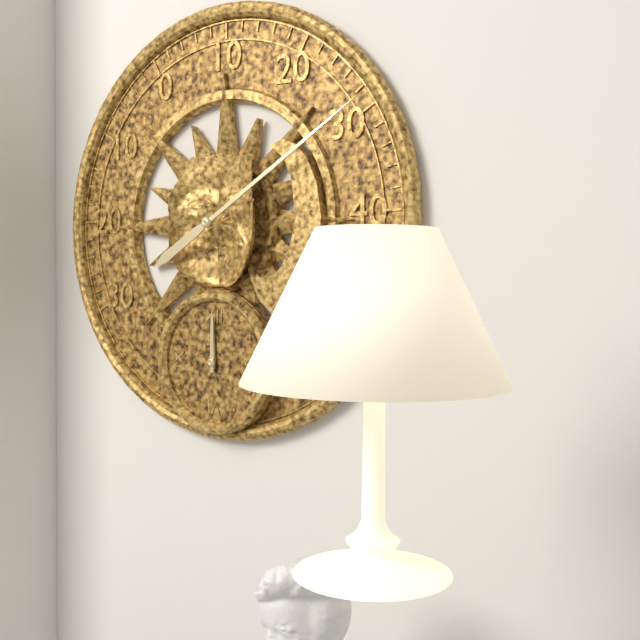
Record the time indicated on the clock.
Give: 12:00
